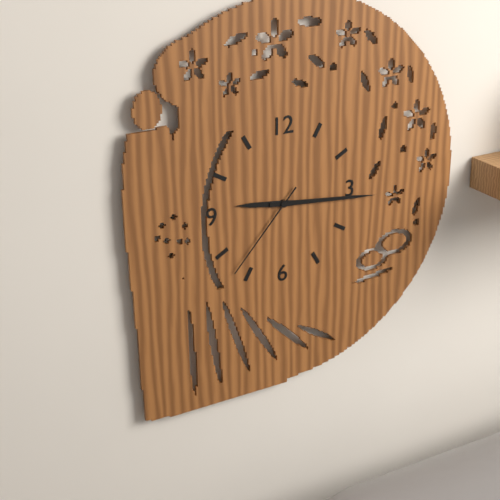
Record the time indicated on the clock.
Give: 9:16:37
